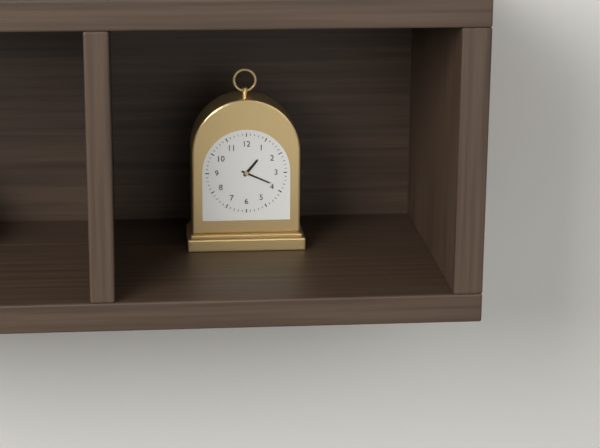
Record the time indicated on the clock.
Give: 1:19
